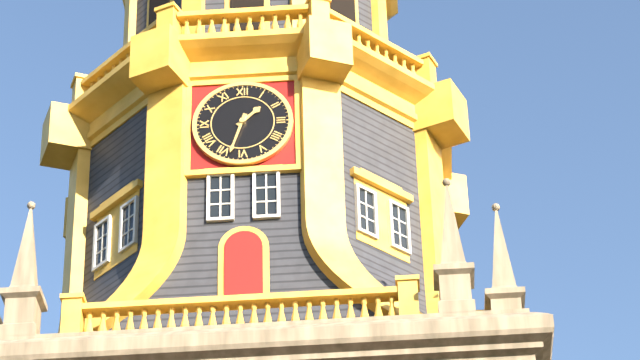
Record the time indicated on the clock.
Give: 1:33
